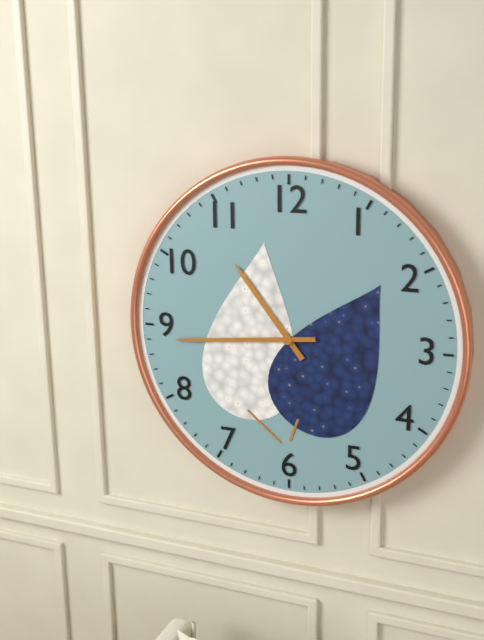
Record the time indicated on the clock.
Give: 10:44
